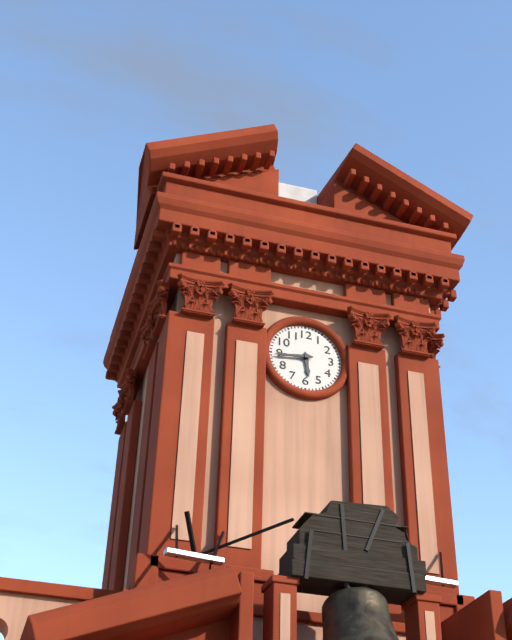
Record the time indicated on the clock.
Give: 5:44
